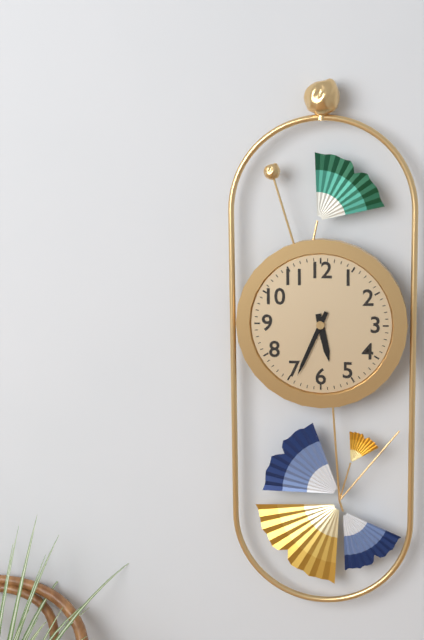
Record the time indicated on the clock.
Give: 5:34
